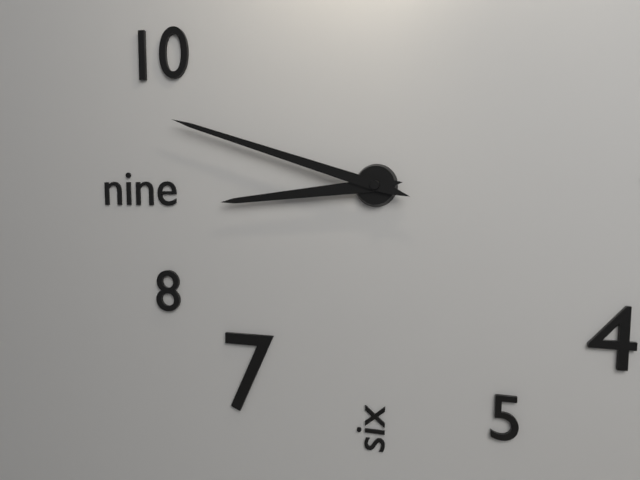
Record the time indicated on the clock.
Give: 8:48
